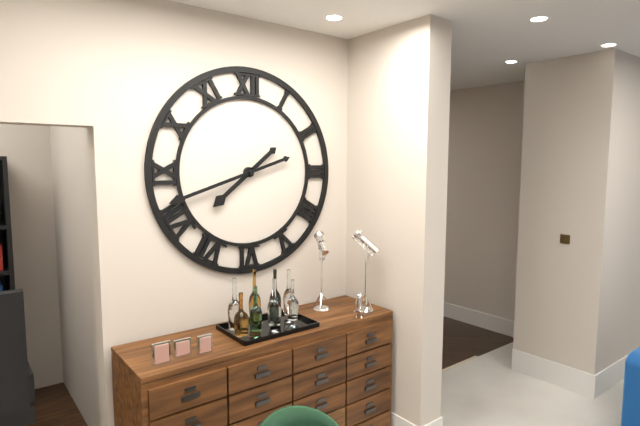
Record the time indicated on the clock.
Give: 7:42
